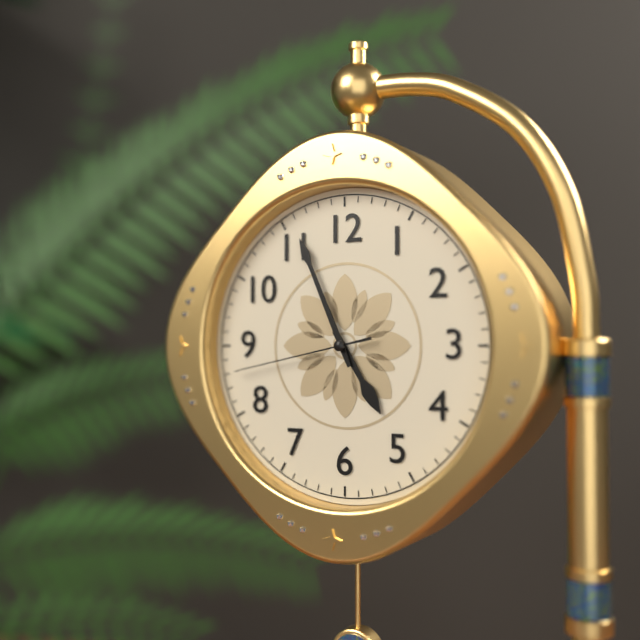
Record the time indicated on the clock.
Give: 4:56:43
